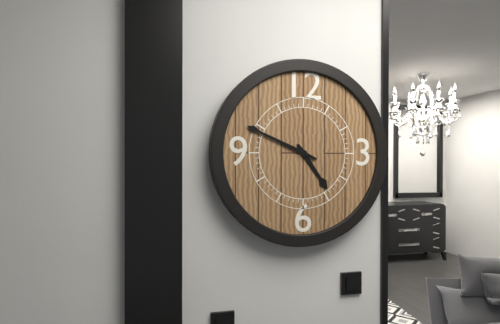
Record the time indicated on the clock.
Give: 4:49
